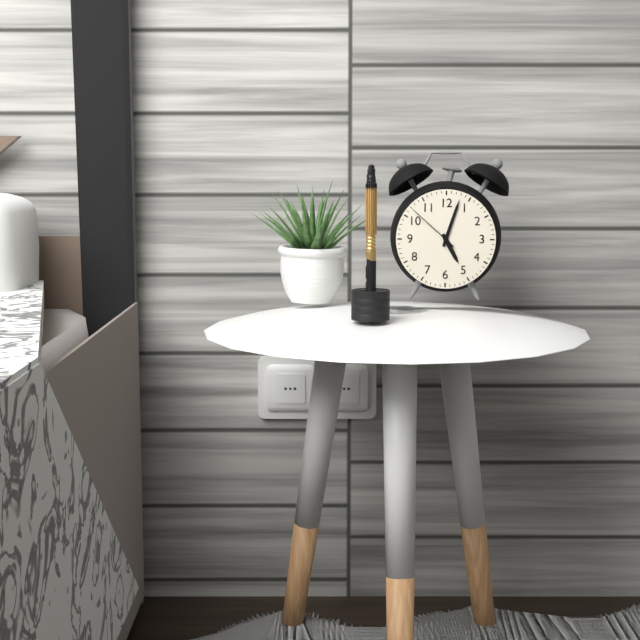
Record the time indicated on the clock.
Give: 5:03:52
